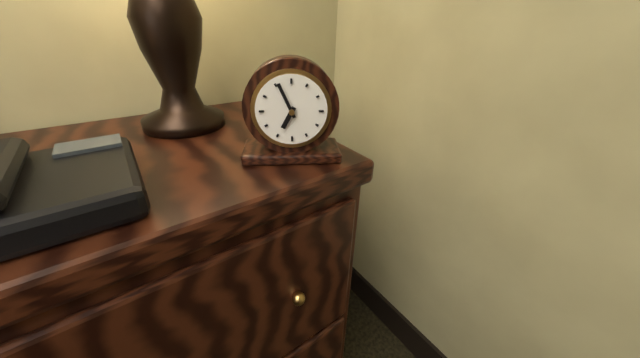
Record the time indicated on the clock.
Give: 6:56
